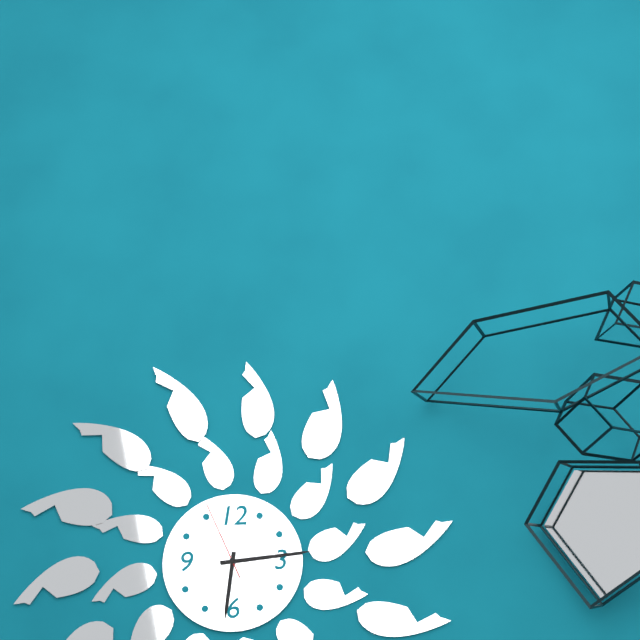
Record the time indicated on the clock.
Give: 6:14:56
